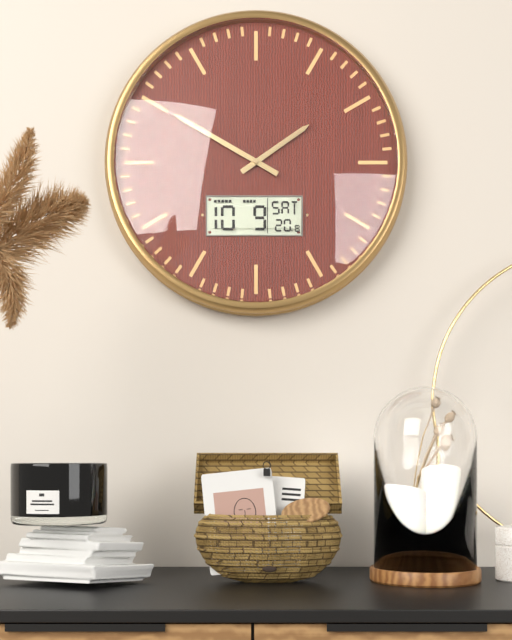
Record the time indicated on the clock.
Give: 1:50
